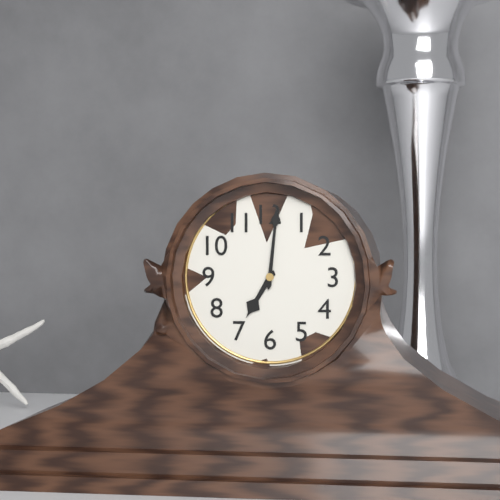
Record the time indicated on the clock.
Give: 7:01
